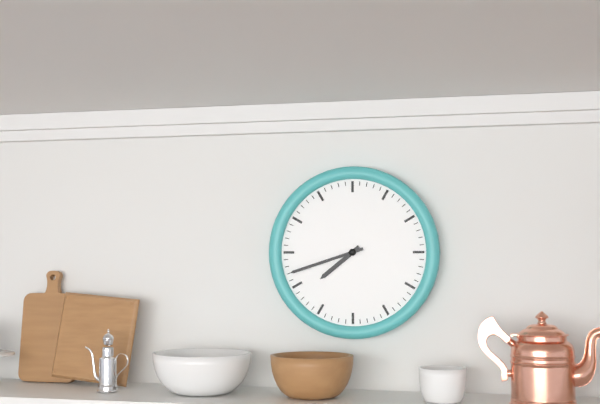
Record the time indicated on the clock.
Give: 7:42
